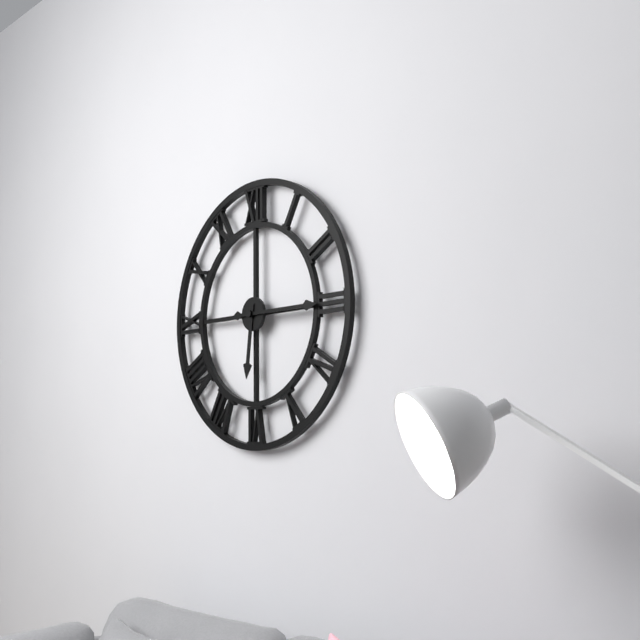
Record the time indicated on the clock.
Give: 6:15
